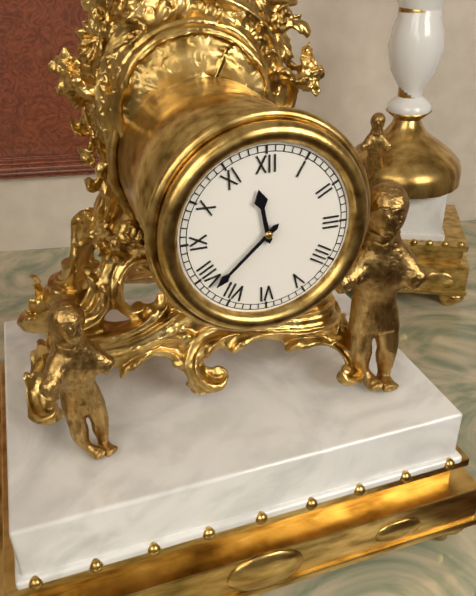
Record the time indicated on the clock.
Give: 11:38
